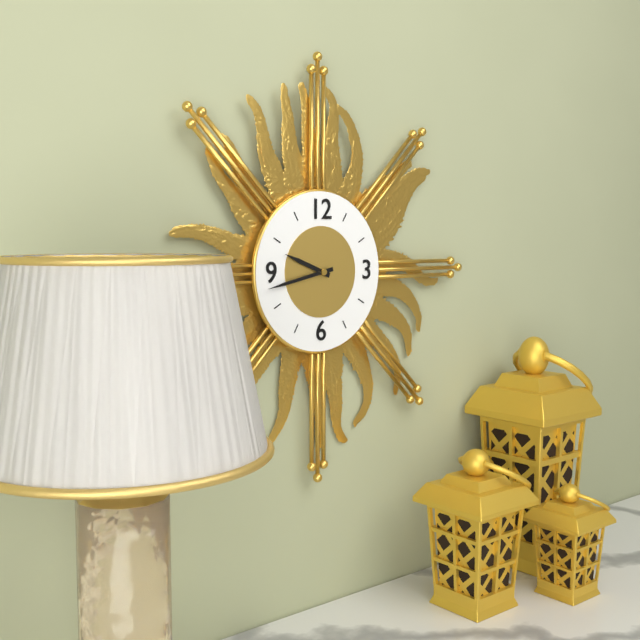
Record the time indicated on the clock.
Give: 9:43
